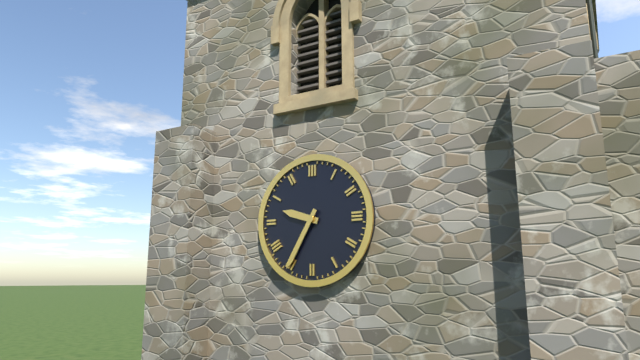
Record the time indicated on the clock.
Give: 9:35
